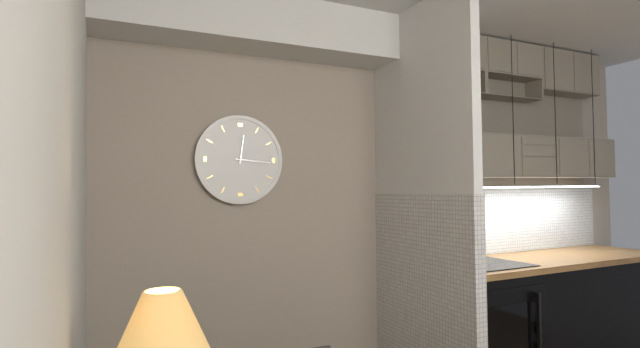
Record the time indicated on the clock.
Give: 12:16
